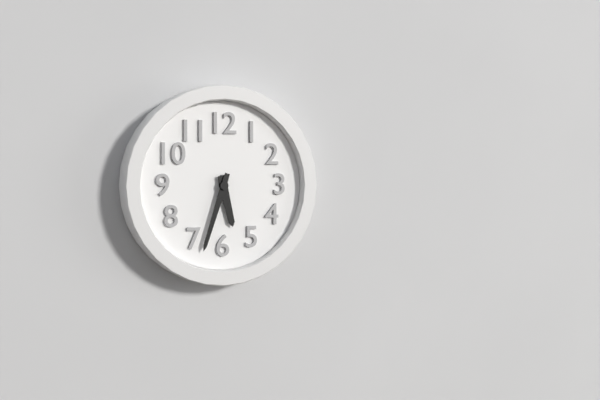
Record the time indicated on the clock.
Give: 5:33
